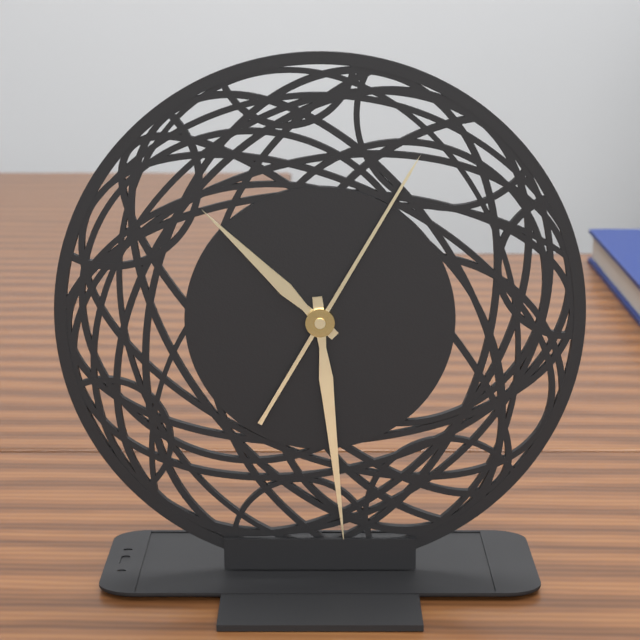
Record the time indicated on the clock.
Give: 10:29:05
